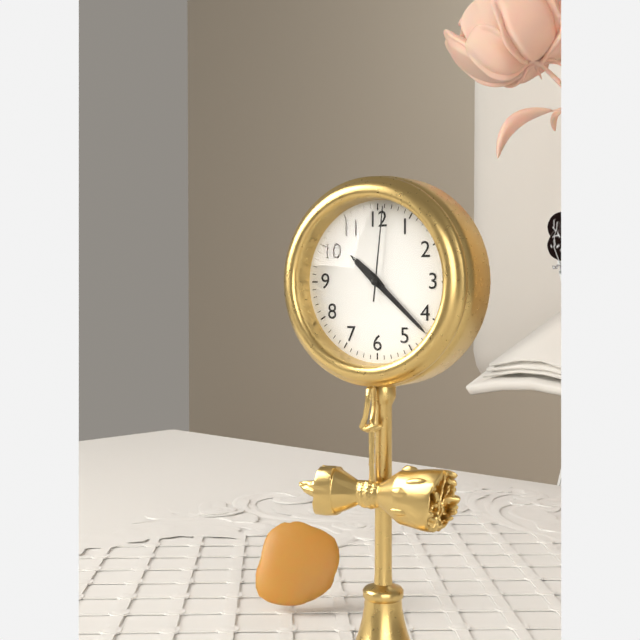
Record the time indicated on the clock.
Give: 10:22:01
